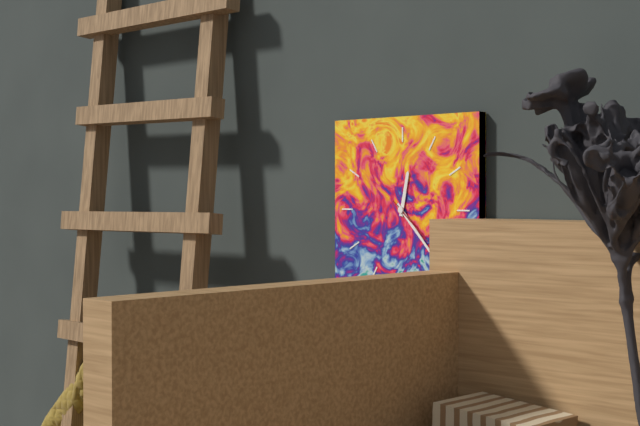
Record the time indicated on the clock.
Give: 12:23:22
